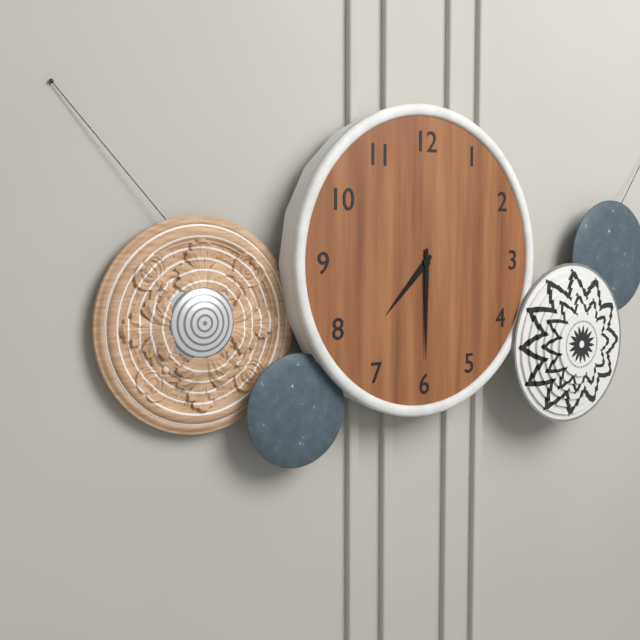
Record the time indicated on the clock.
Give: 7:30
